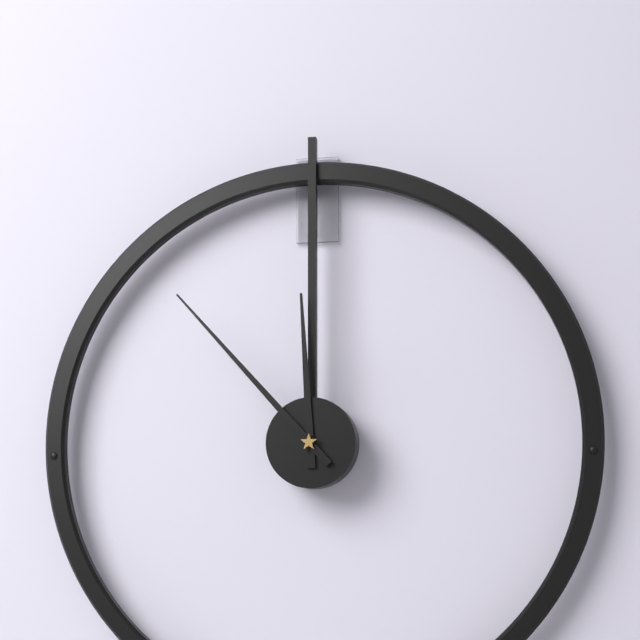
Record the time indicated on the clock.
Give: 11:53
